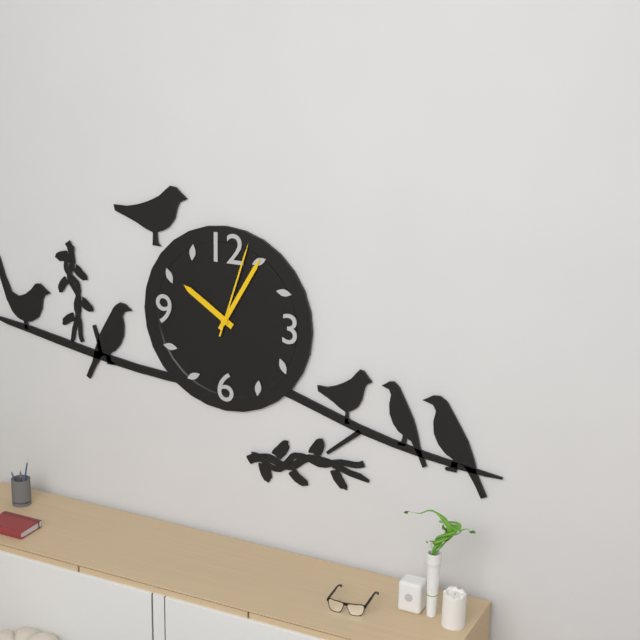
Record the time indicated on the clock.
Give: 10:05:03
